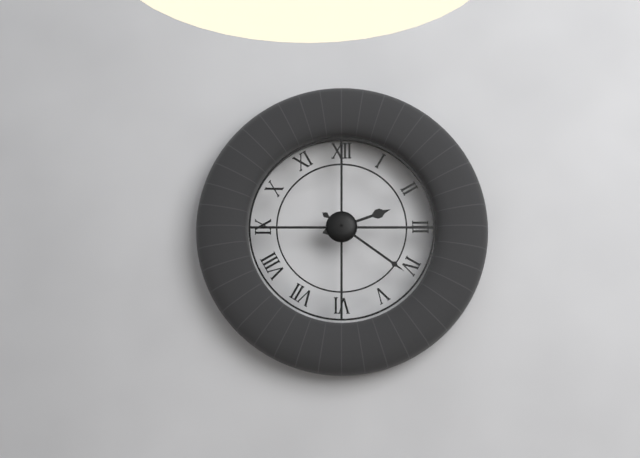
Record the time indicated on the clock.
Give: 2:21
